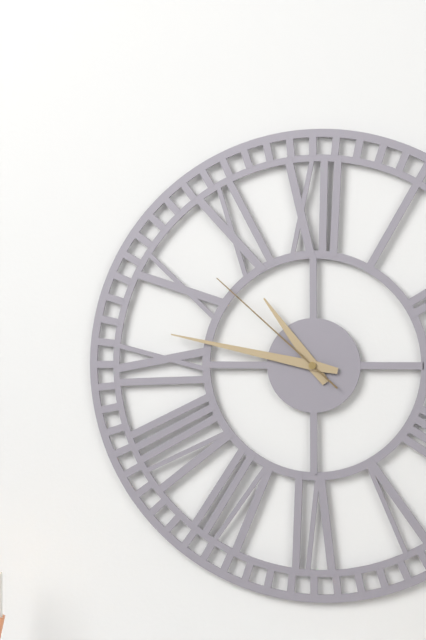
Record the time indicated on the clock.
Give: 10:47:52
